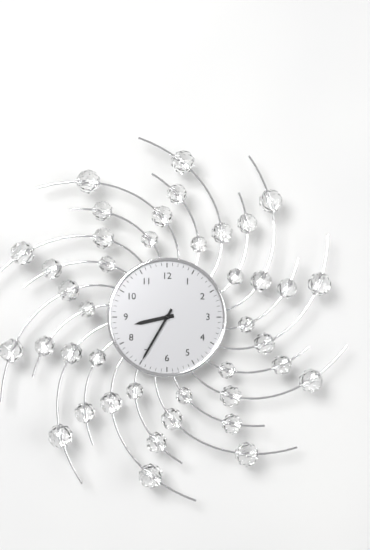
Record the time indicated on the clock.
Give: 8:35
